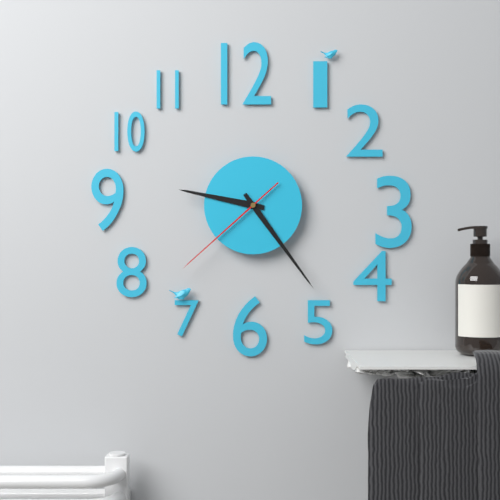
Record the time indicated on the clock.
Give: 9:24:38
